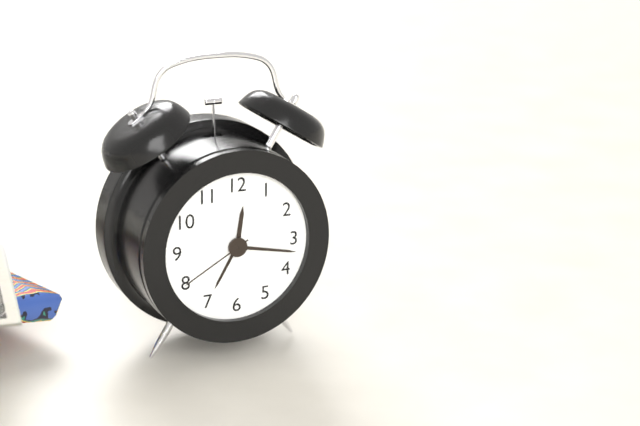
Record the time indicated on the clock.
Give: 12:17:40
